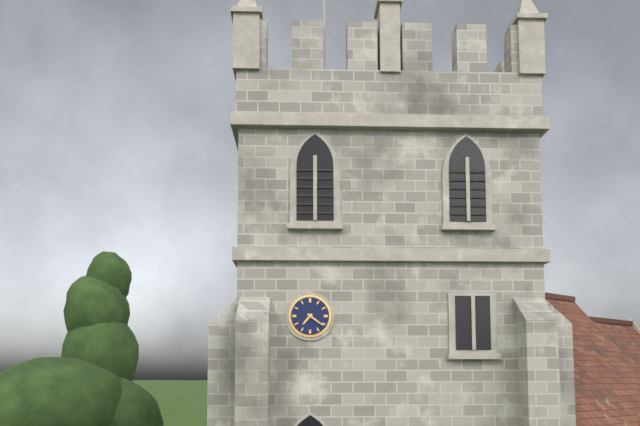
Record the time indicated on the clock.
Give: 7:21
